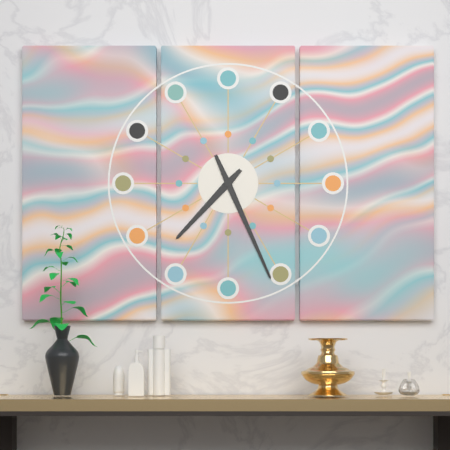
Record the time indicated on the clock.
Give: 7:26
